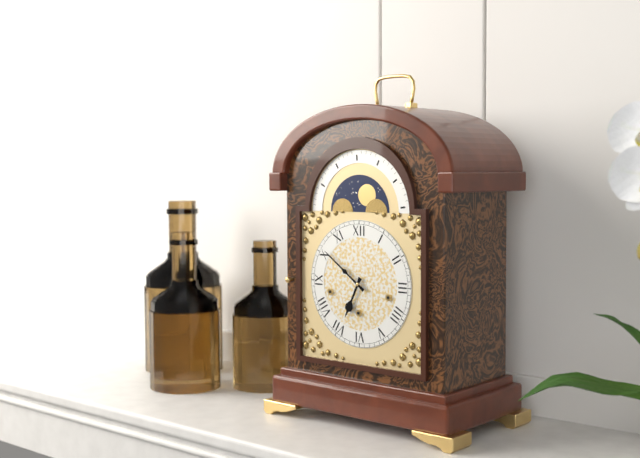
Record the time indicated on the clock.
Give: 6:51
